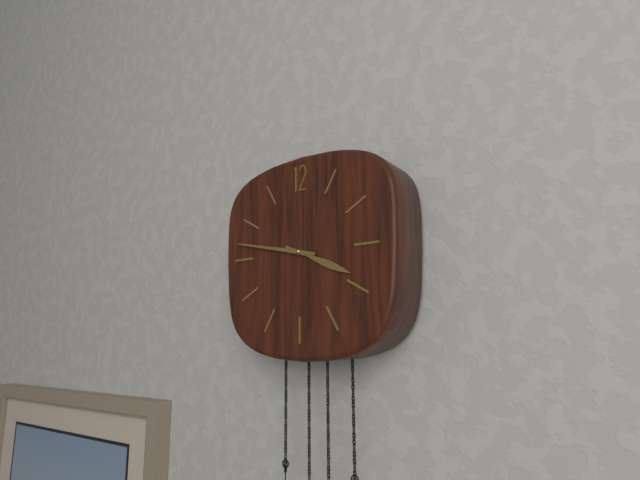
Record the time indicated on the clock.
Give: 3:47
